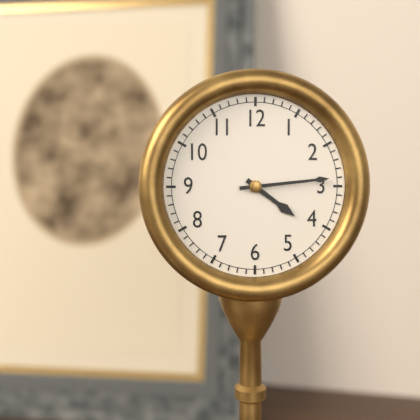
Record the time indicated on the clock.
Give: 4:14
